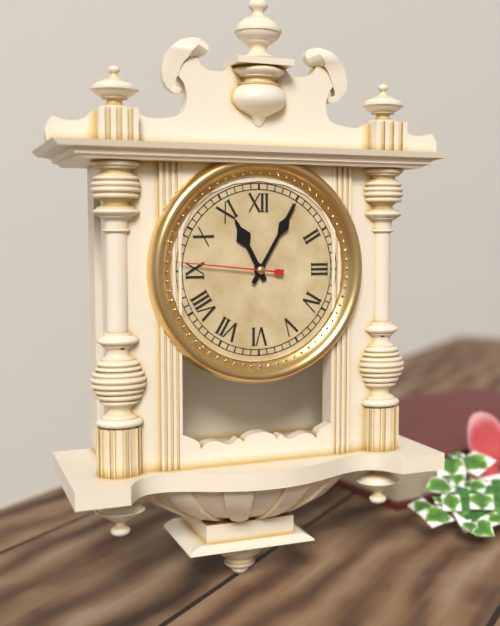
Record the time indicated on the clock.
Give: 11:05:46
